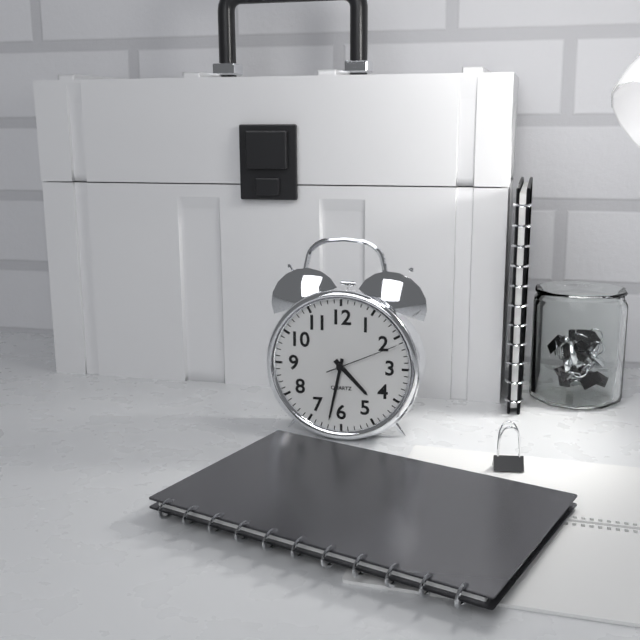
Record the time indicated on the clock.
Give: 4:32:11
